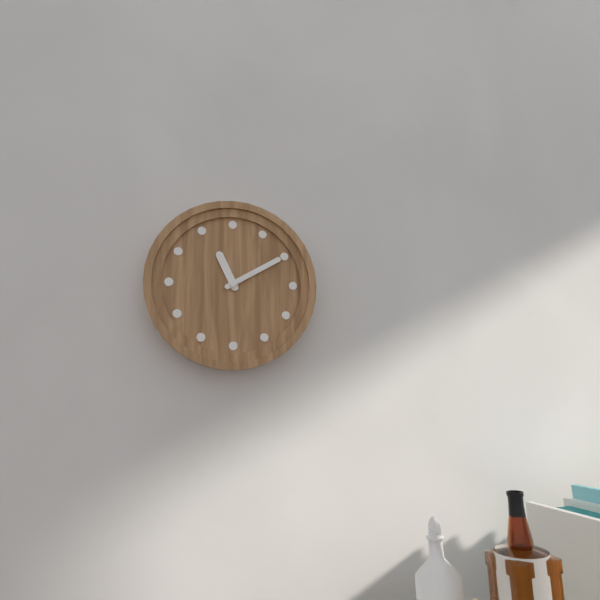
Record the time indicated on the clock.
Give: 11:10
